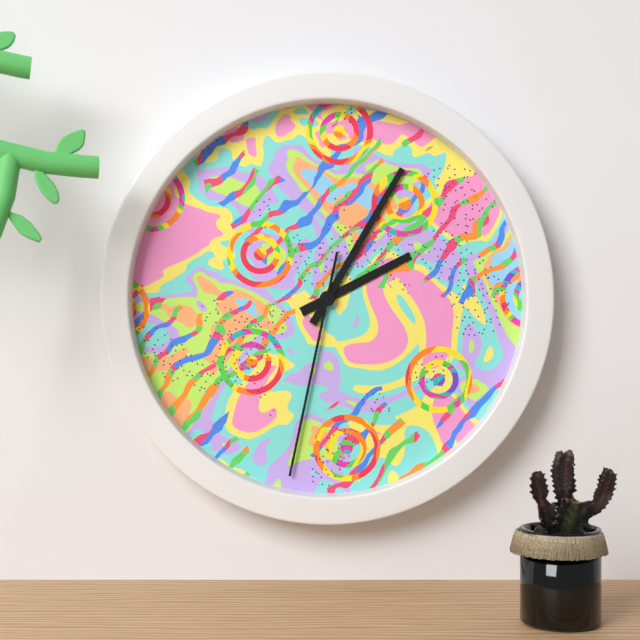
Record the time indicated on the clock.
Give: 2:05:32
